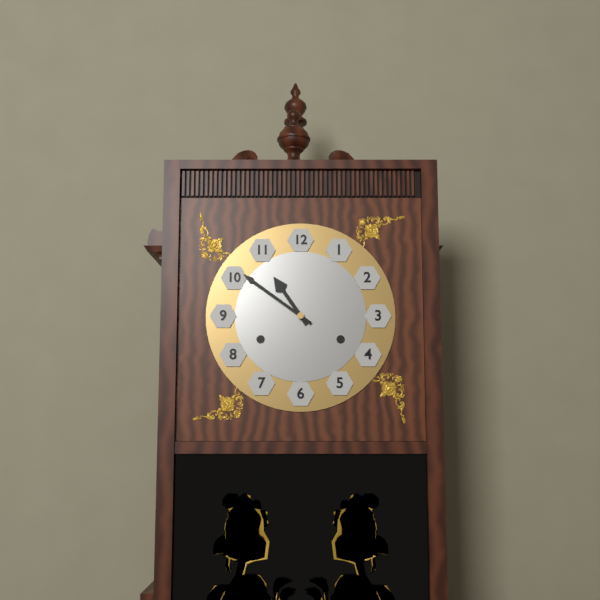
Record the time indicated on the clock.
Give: 10:51
